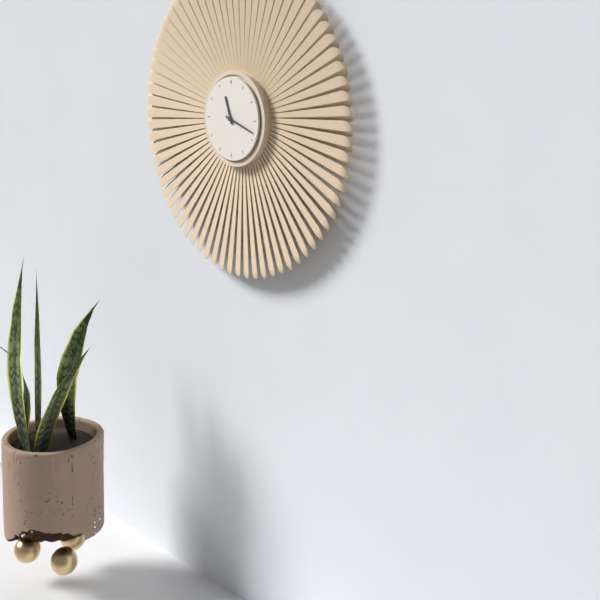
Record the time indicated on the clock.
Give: 11:18
